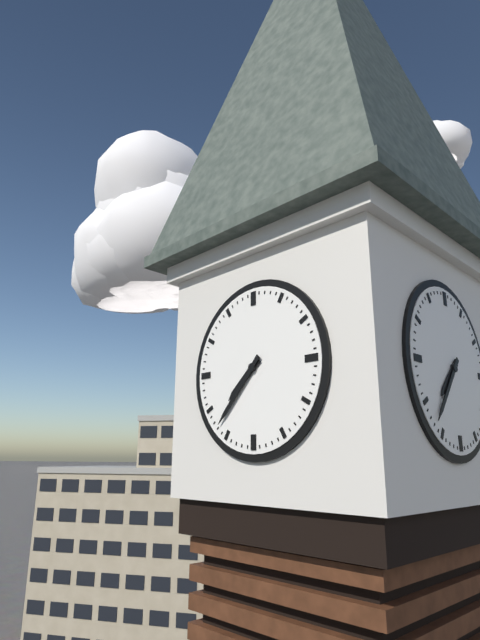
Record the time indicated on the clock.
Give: 7:37
